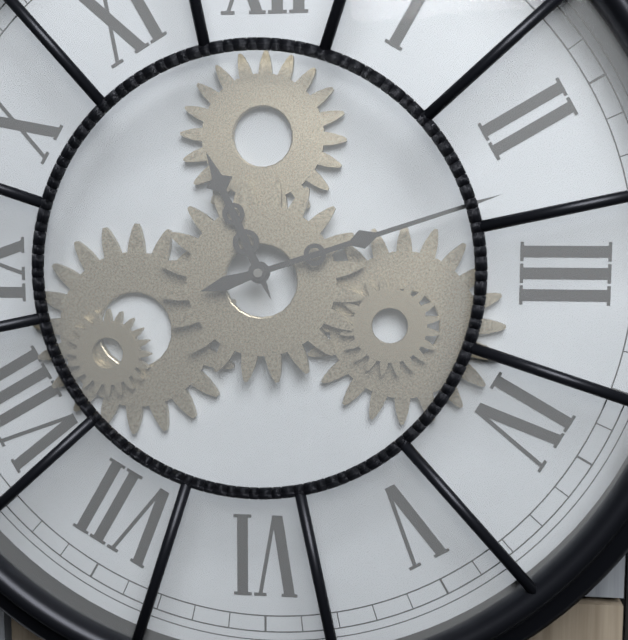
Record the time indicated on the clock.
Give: 11:12
